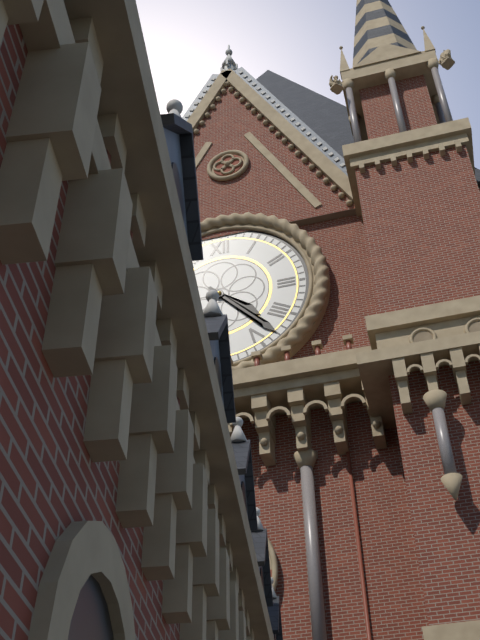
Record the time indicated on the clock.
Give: 4:23
